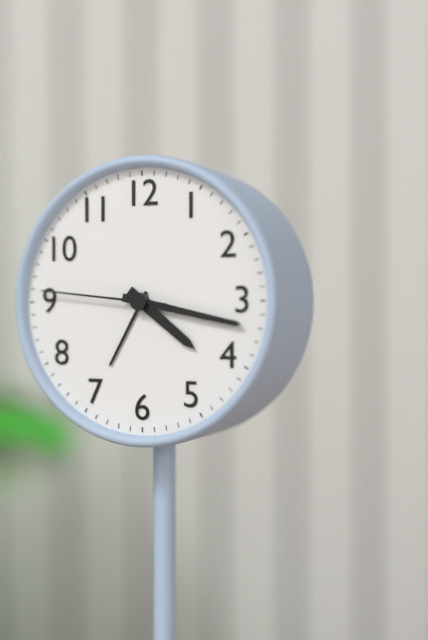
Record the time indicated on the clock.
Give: 4:17:46
